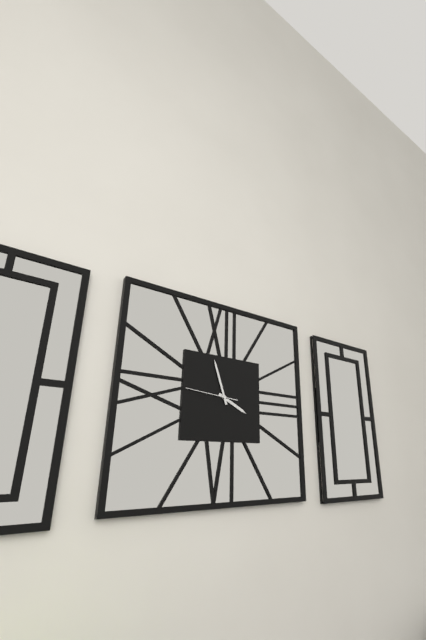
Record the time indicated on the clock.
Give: 3:57
